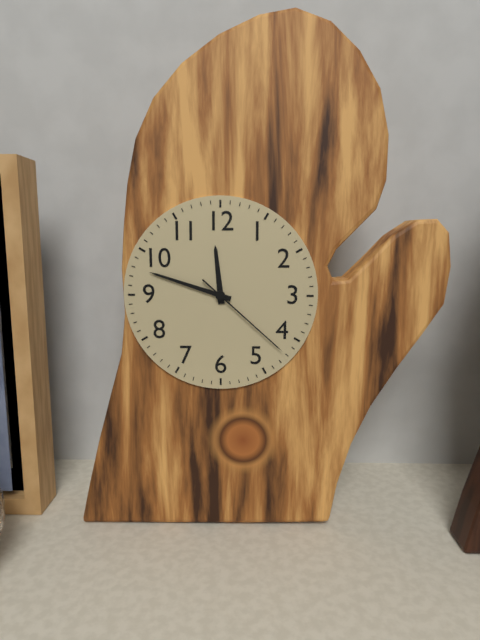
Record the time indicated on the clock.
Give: 11:48:22
